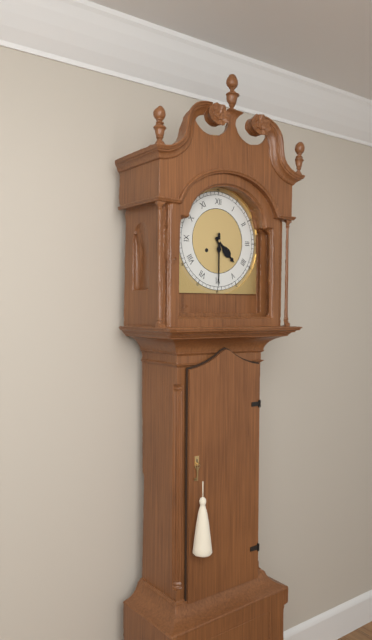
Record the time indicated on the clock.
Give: 4:30
